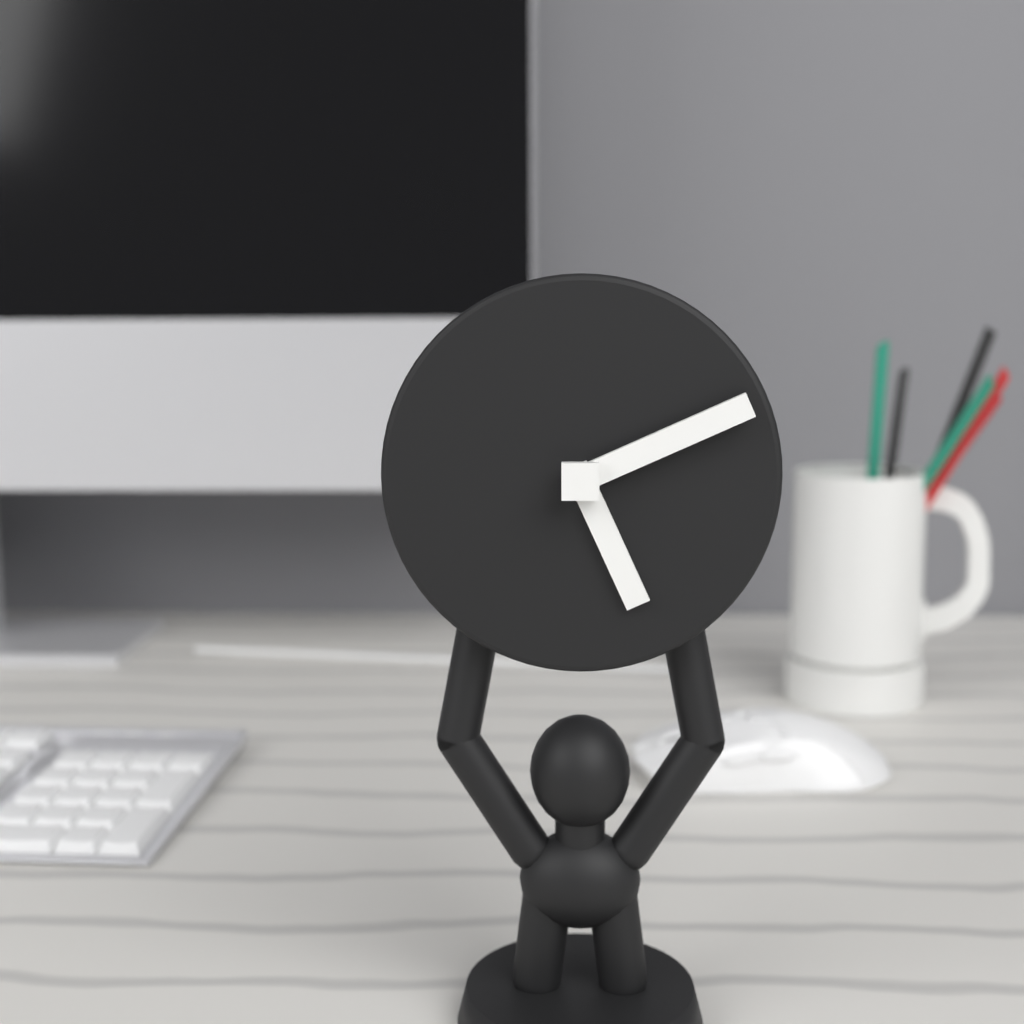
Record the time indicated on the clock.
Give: 5:11
